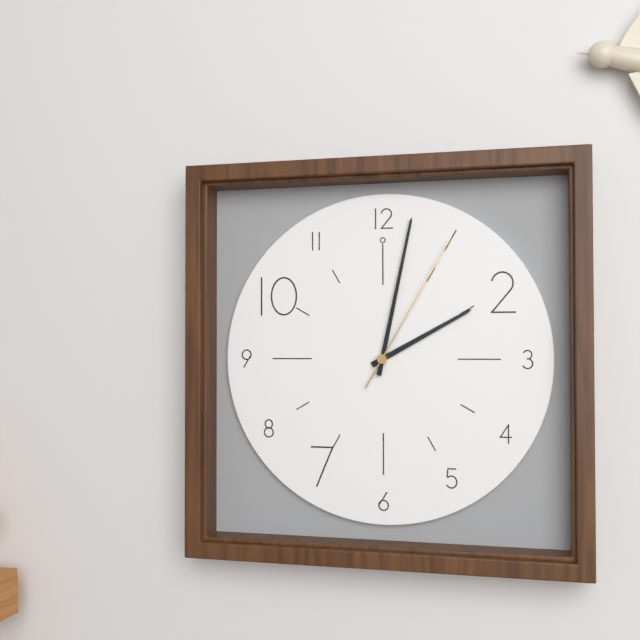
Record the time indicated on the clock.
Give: 2:02:05
